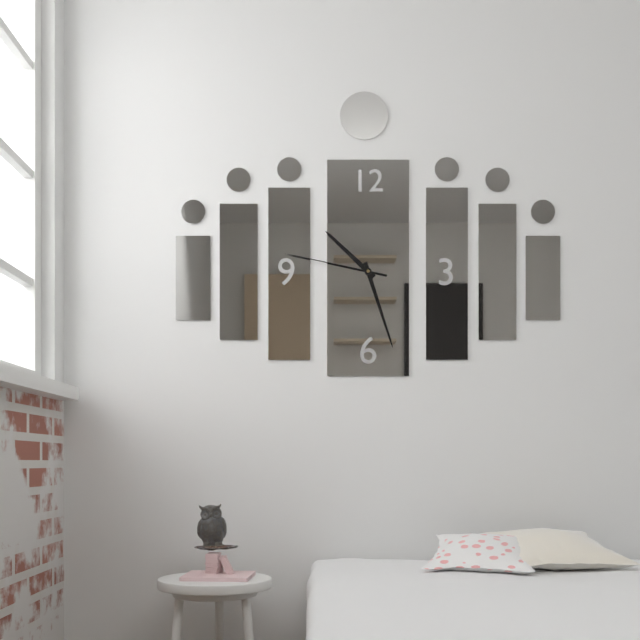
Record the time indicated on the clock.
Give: 10:27:47
